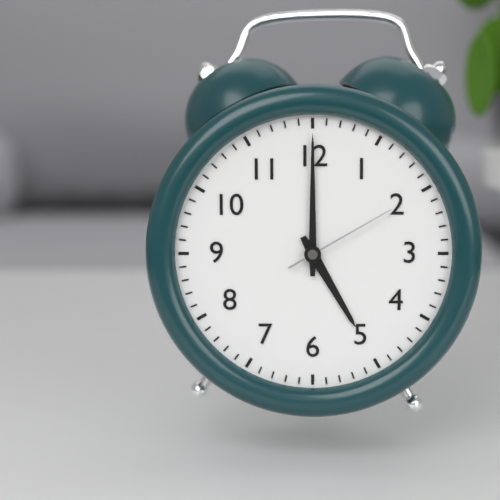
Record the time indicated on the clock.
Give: 5:00:10
